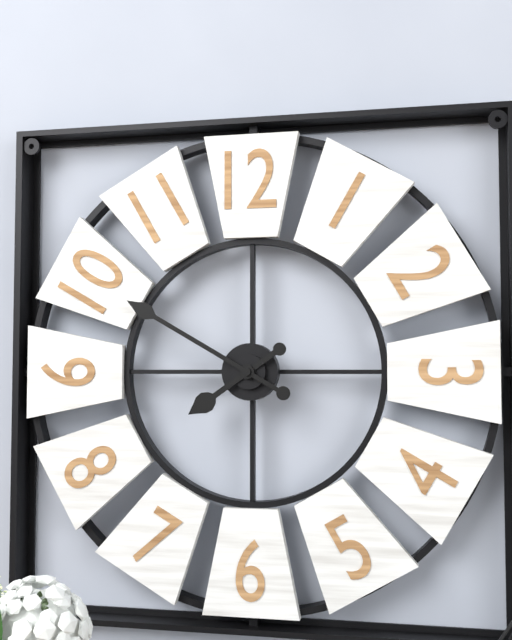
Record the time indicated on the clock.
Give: 7:50
